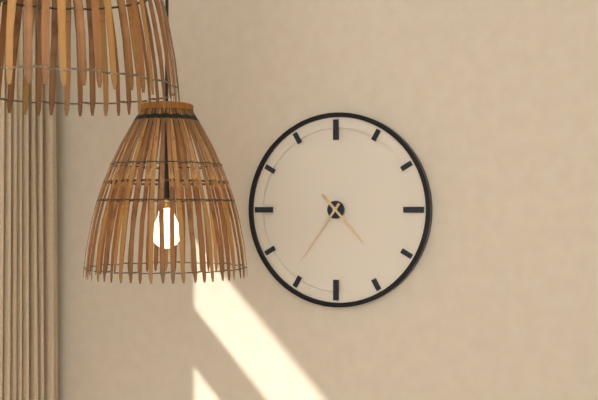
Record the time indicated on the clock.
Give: 4:36
